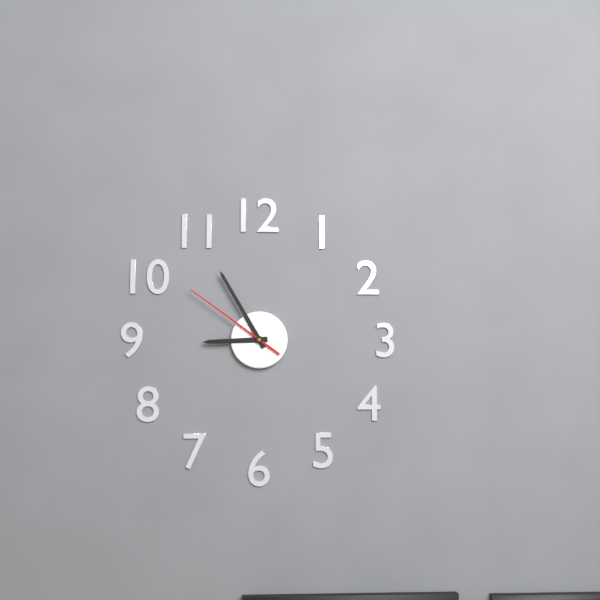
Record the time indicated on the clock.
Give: 8:55:51
